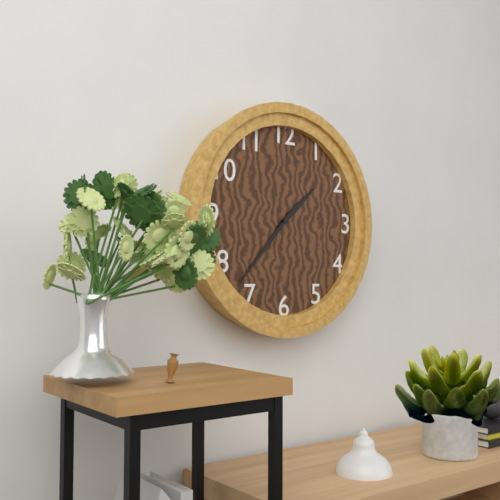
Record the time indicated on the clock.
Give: 1:37
